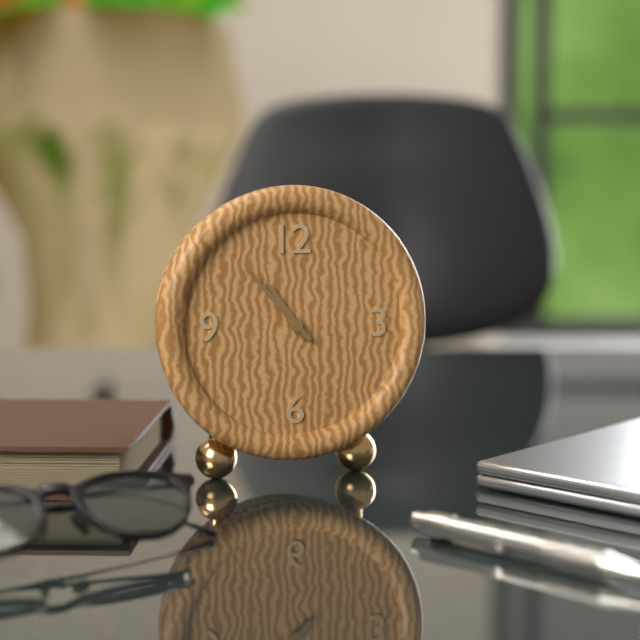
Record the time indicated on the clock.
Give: 10:53
